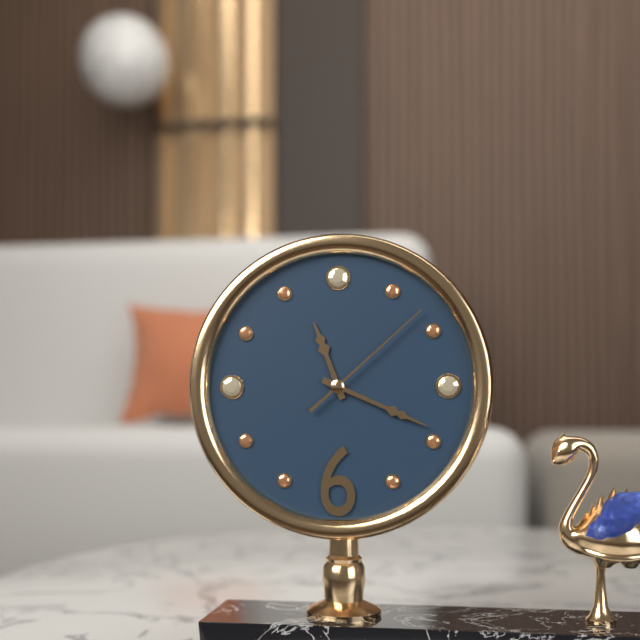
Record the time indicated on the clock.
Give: 11:19:08
